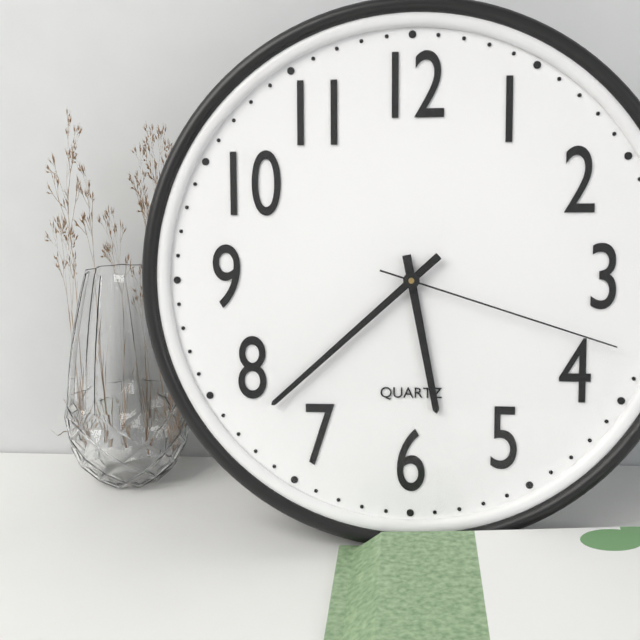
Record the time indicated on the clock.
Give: 5:38:18
